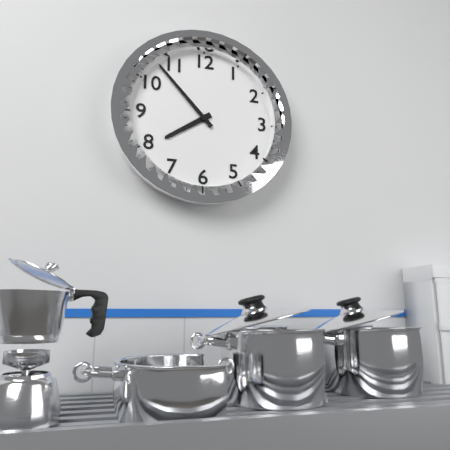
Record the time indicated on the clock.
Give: 7:53
